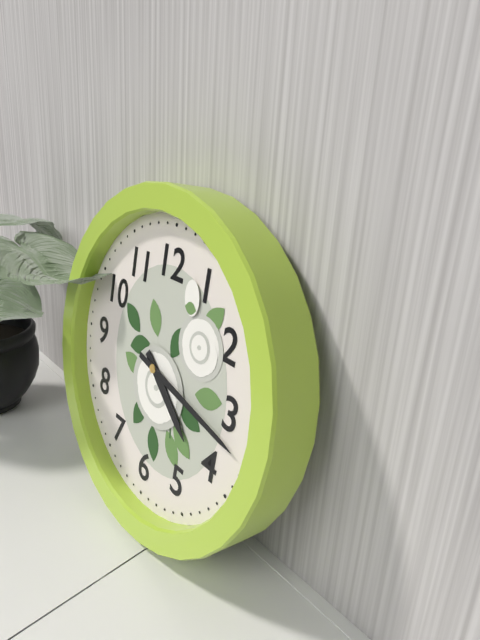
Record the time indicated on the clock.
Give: 4:17
